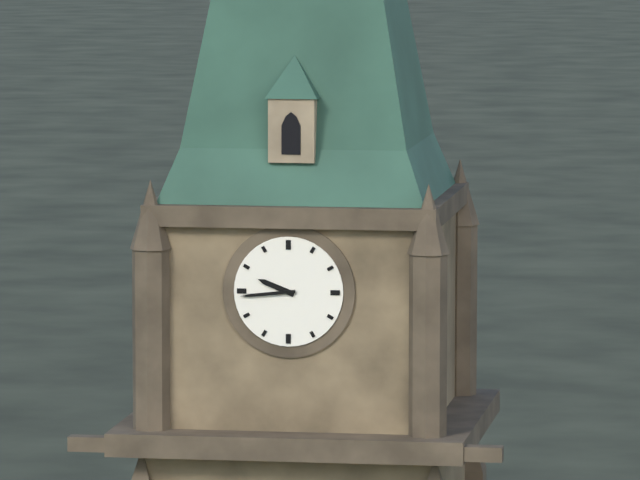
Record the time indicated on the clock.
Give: 9:44
